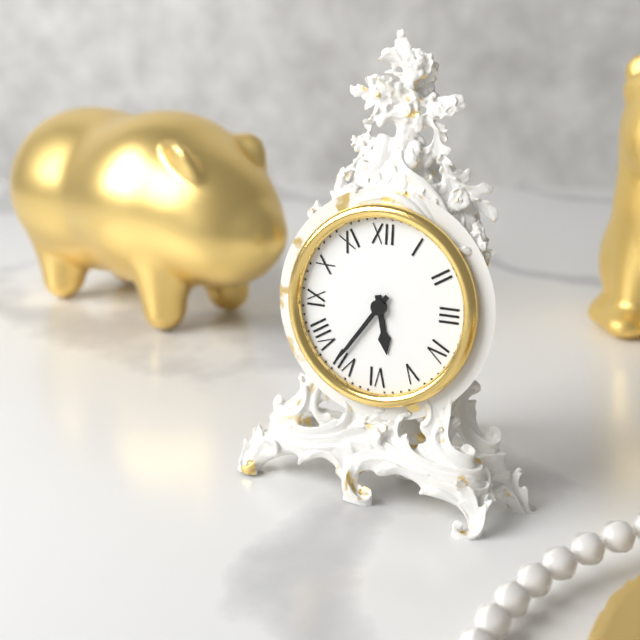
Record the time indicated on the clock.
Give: 5:36
